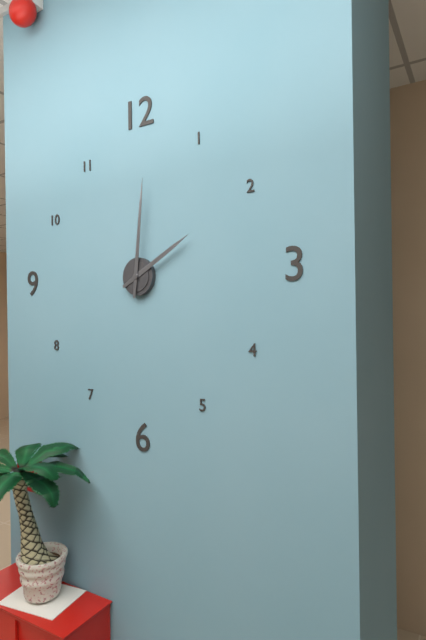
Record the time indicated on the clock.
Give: 2:01
